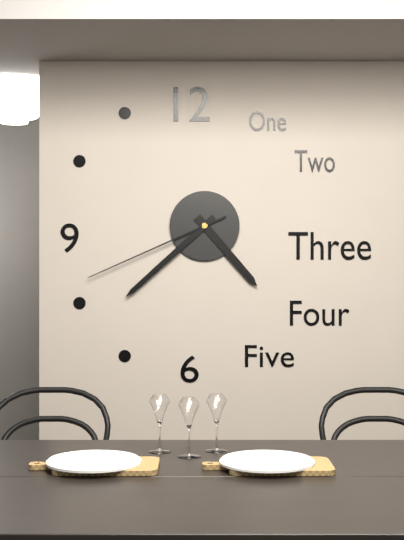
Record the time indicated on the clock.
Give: 4:38:41
